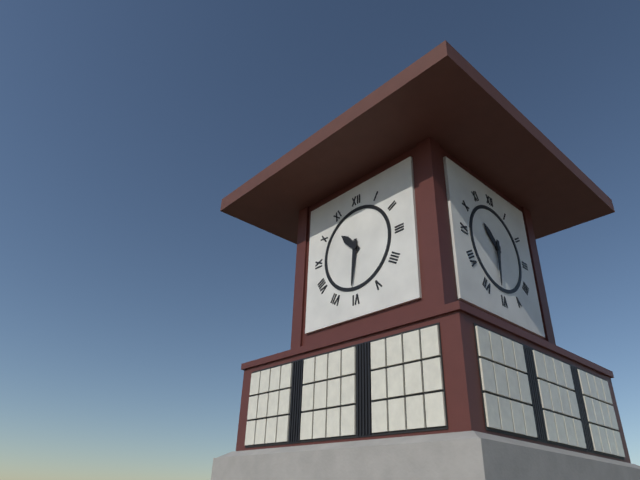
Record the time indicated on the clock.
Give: 10:31
